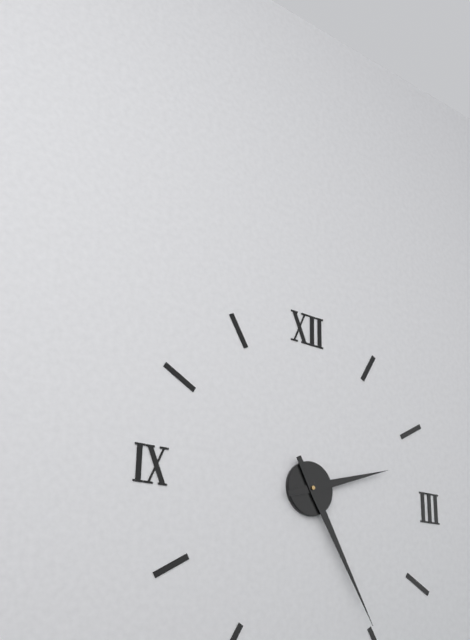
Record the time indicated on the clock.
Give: 2:25
